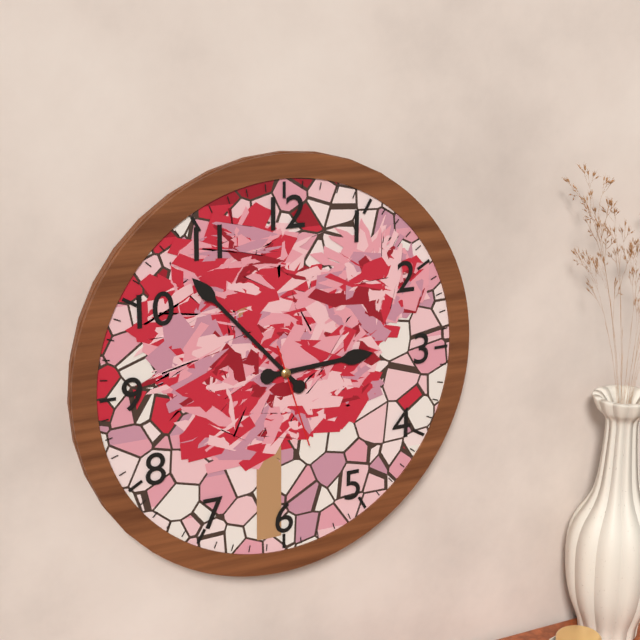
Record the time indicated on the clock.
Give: 2:53:27
